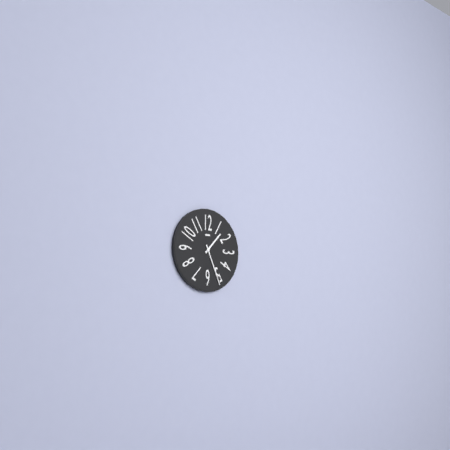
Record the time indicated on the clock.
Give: 1:26
